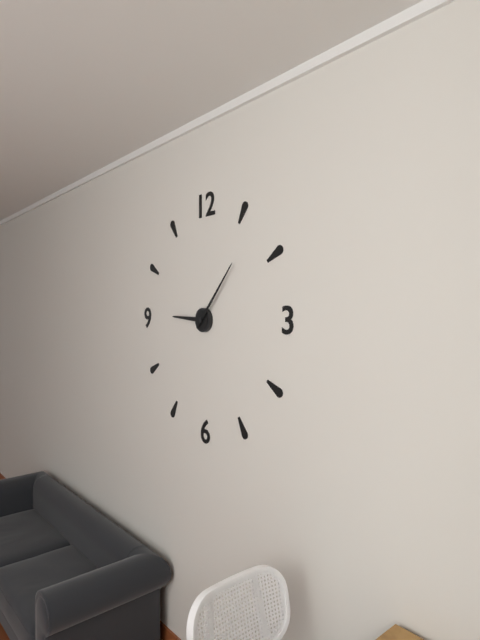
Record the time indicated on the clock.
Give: 9:07
